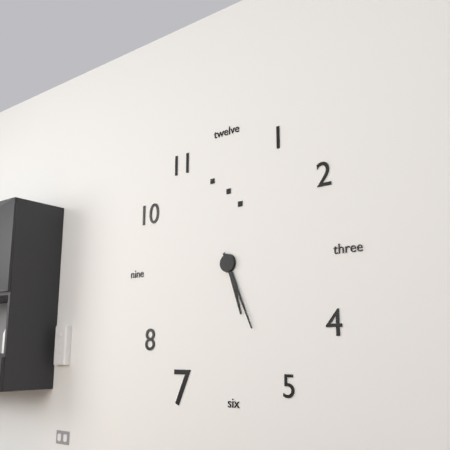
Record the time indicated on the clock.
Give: 5:26
